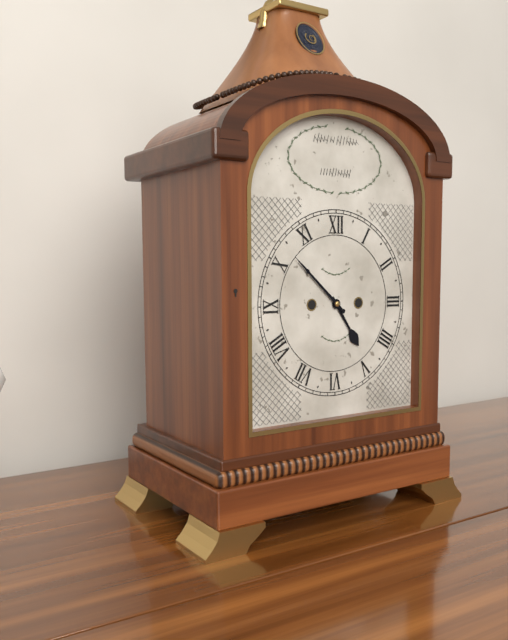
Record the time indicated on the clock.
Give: 4:52
